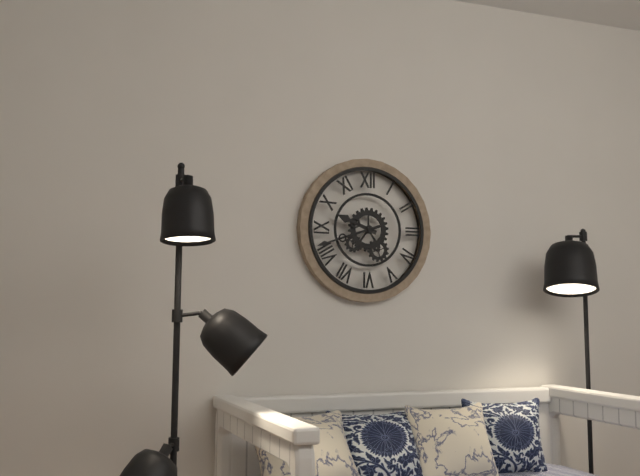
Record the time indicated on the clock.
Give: 9:42
